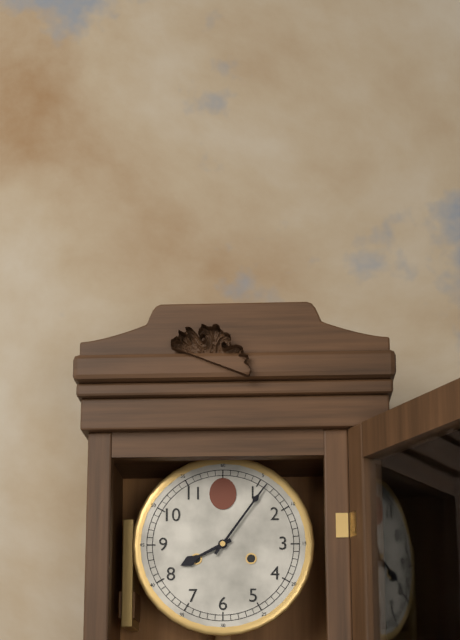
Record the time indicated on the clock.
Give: 8:06
